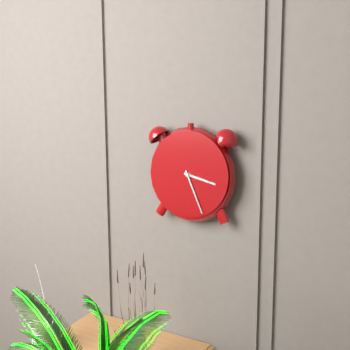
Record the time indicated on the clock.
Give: 3:26
